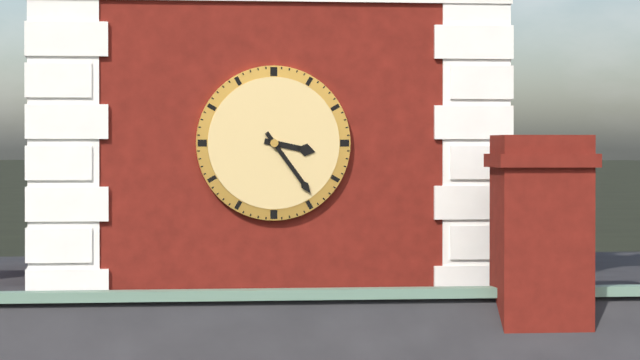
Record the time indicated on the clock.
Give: 3:24
